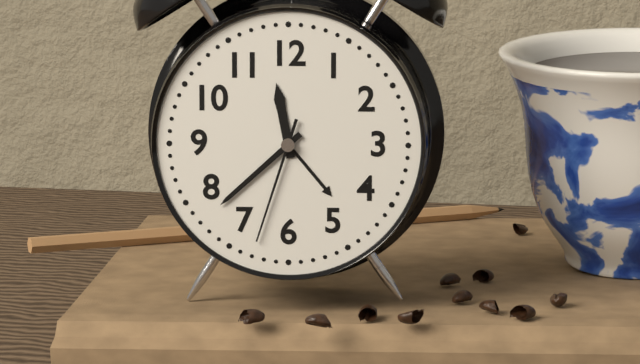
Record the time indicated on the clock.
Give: 11:38:33
